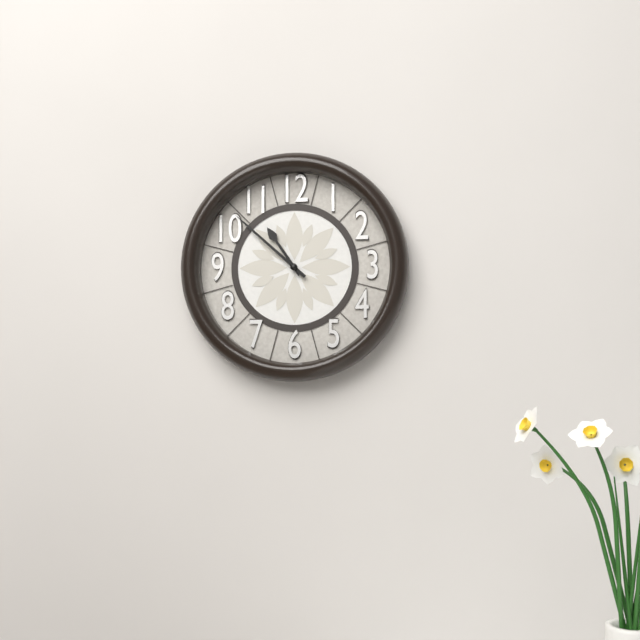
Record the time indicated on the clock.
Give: 10:52
